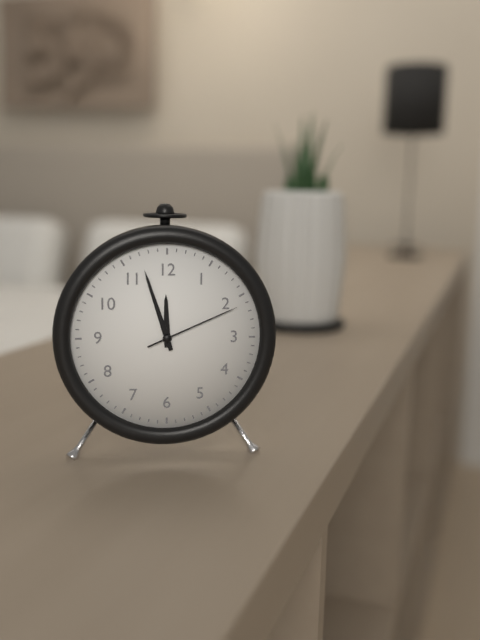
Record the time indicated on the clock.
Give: 11:57:11
